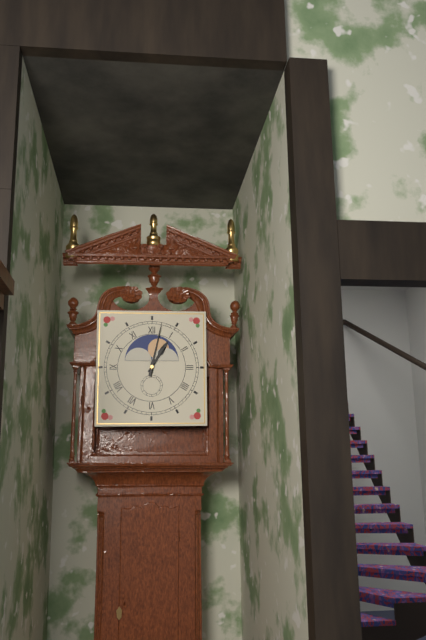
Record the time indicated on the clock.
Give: 1:02
